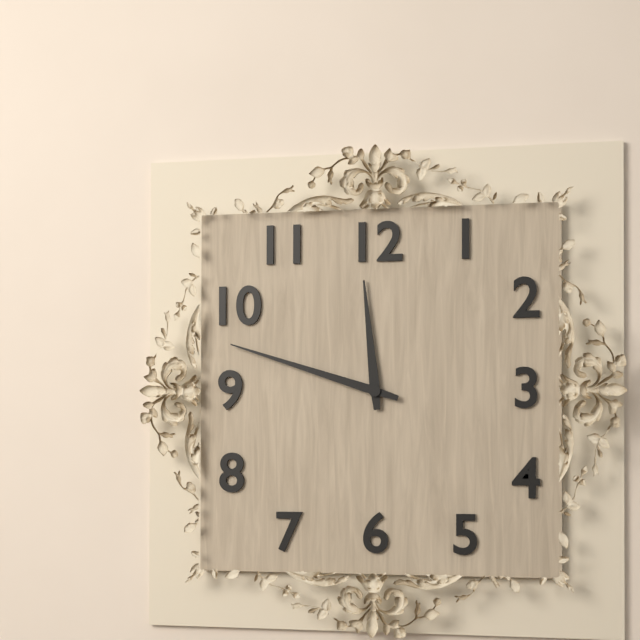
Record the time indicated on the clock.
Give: 11:48
